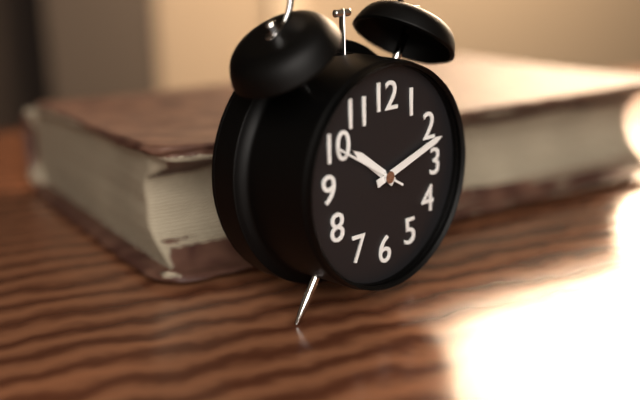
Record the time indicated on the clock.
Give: 10:12:50
